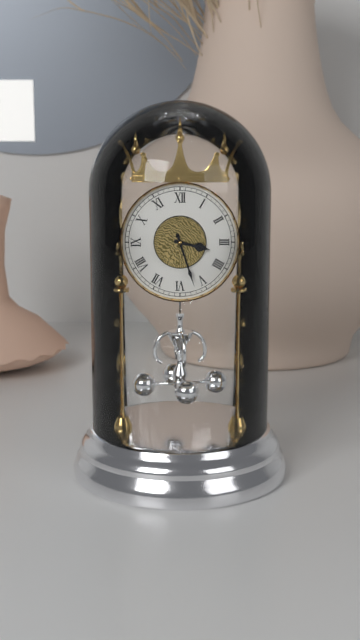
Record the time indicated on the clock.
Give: 3:27
